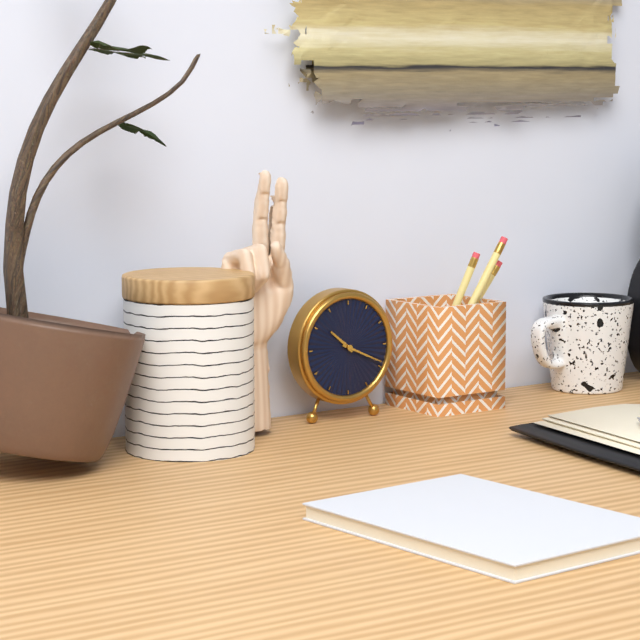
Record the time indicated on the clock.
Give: 10:19
